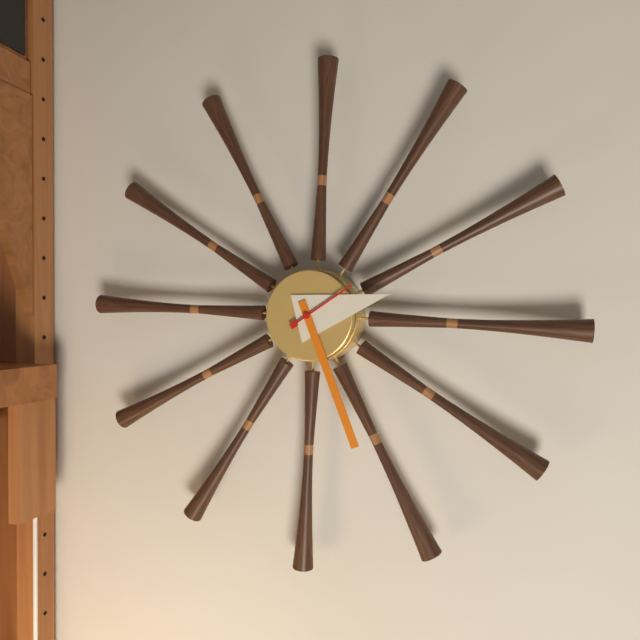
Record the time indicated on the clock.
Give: 2:26:09
